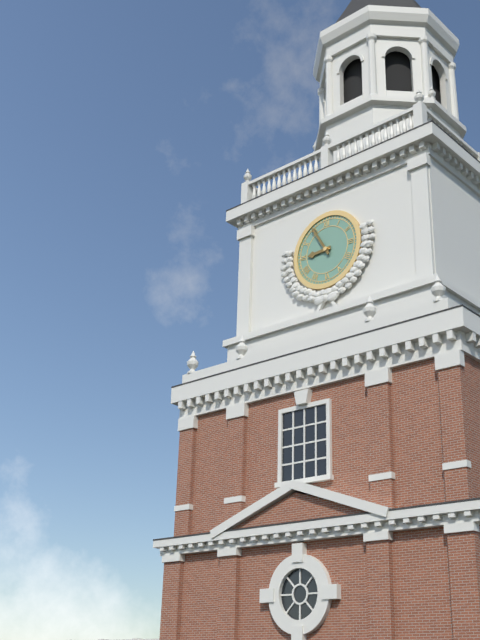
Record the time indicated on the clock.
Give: 8:55
